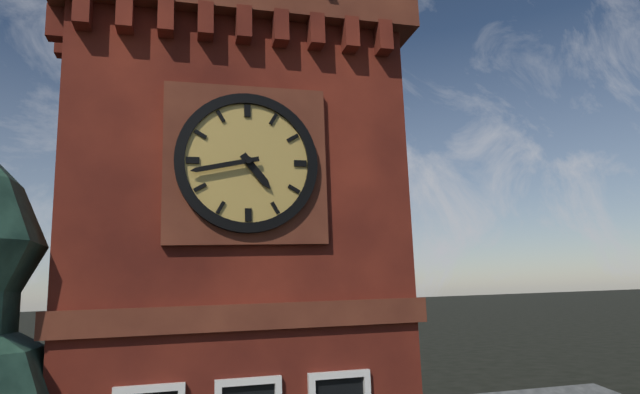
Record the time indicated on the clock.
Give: 4:43
